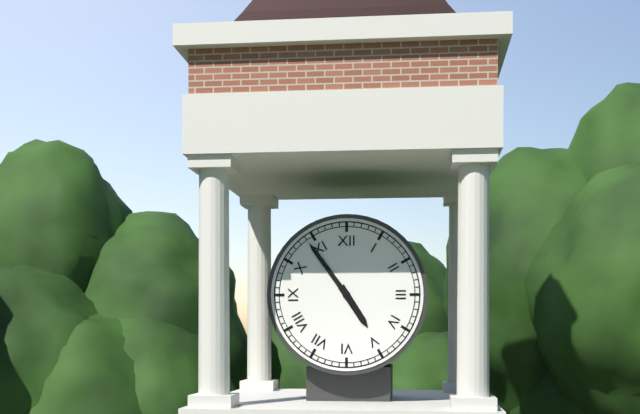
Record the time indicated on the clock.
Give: 4:54
